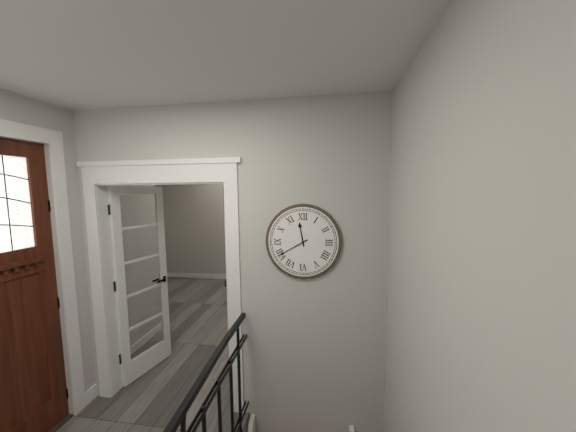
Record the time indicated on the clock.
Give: 11:40
